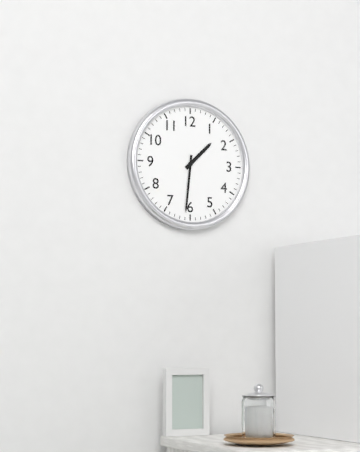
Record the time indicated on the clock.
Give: 1:31
